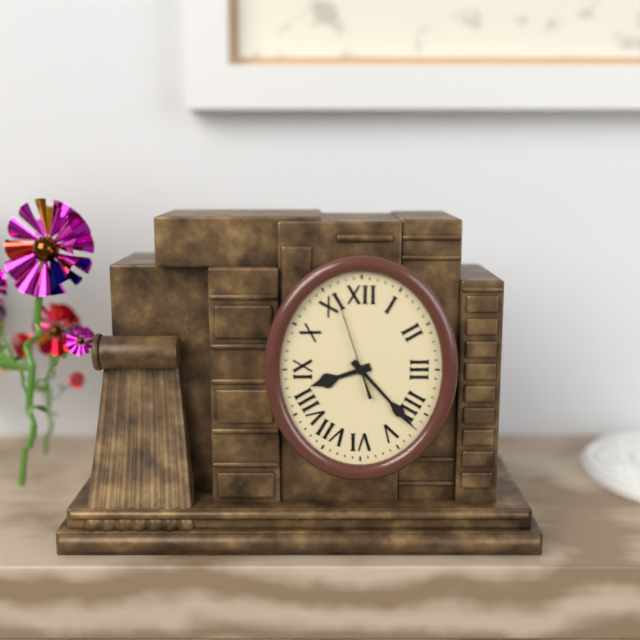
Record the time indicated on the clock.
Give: 8:23:57
